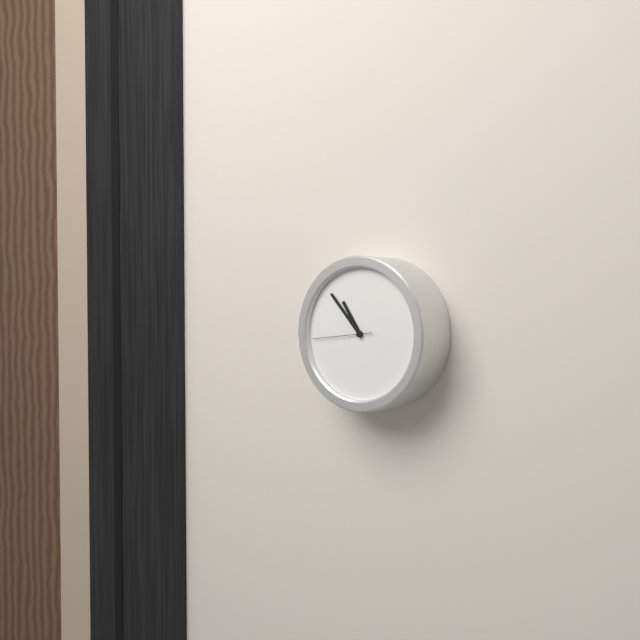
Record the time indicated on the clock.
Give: 10:53:44
